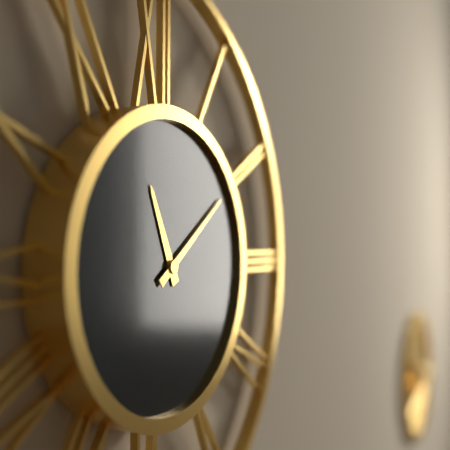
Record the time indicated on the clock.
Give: 11:09
